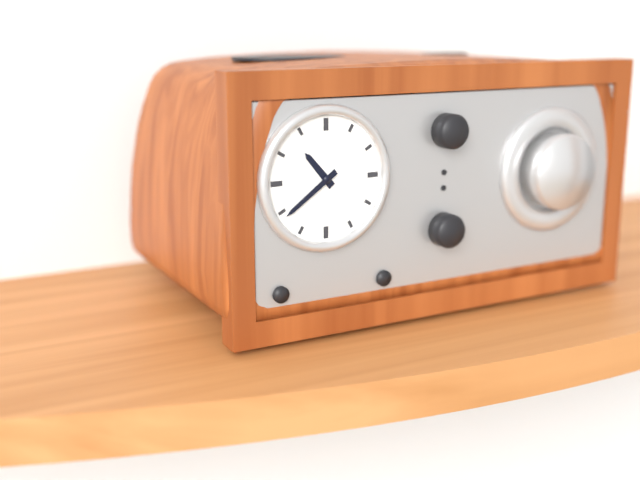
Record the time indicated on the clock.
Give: 10:39
